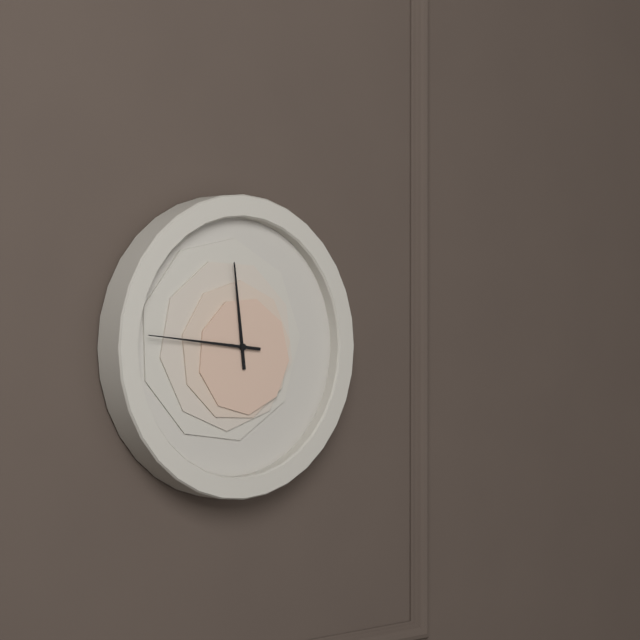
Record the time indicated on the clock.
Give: 11:46
